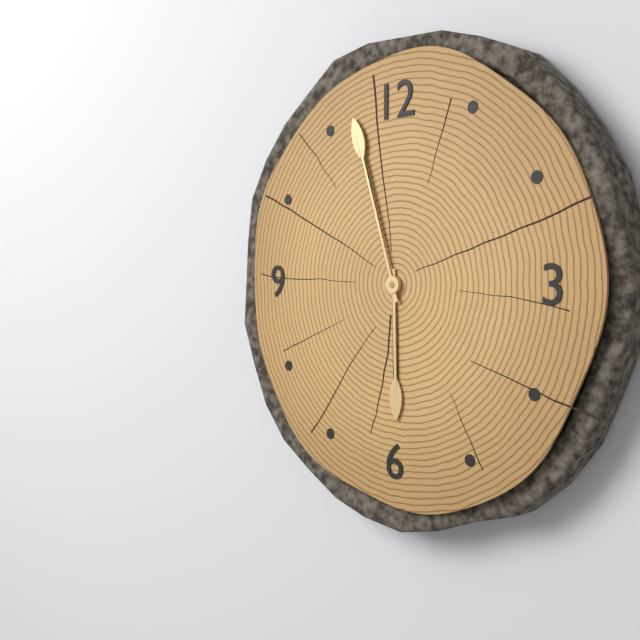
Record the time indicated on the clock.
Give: 5:57
